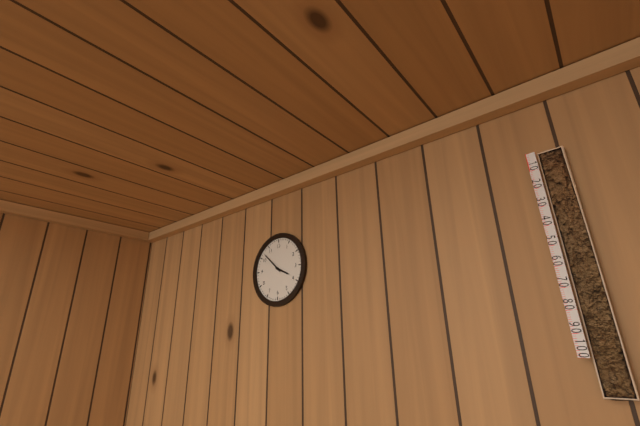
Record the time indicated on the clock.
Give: 3:52
